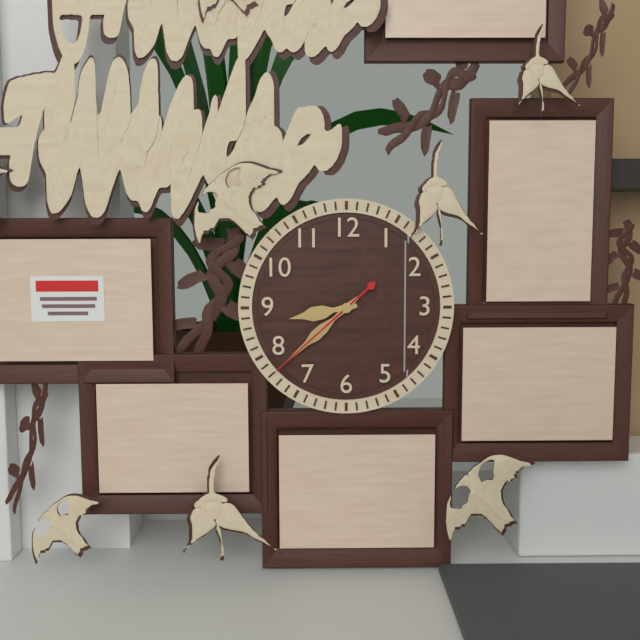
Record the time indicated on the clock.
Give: 8:38:38
